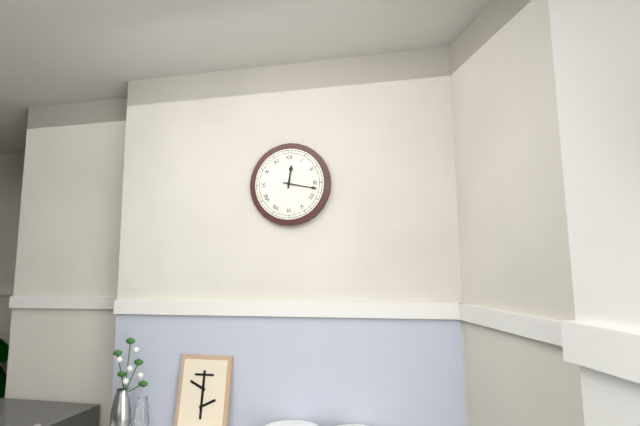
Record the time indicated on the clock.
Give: 12:17
